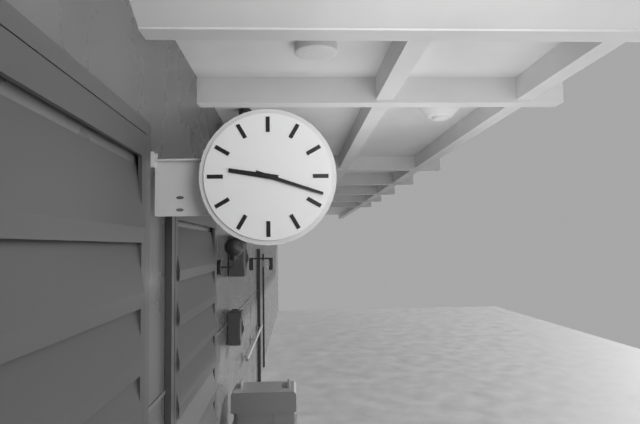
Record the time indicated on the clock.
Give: 9:18
